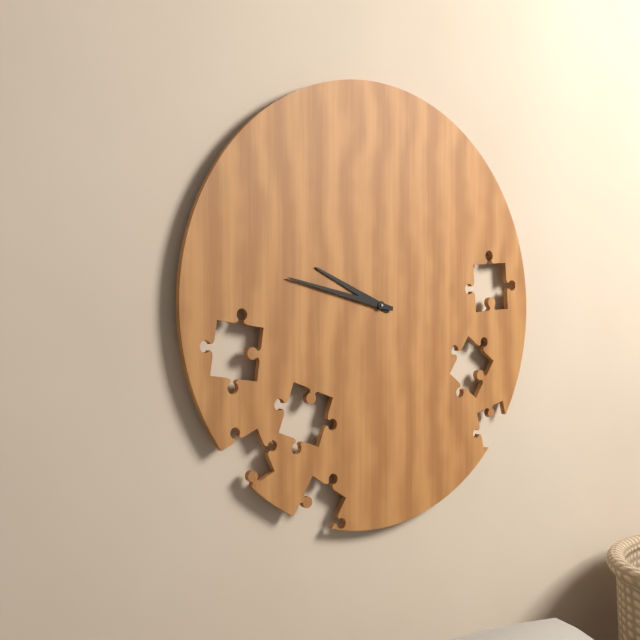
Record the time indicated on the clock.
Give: 9:47
